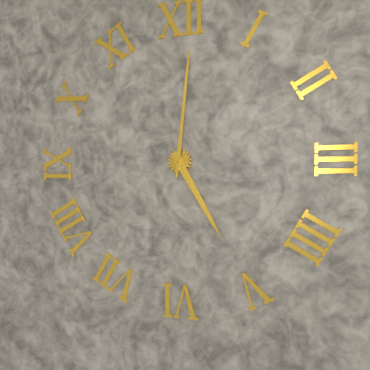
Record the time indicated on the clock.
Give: 5:01
